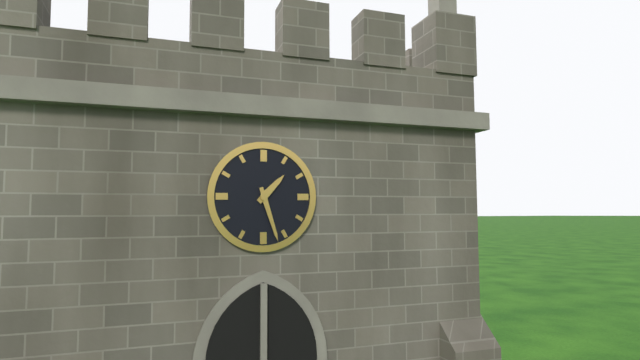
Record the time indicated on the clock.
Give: 1:27
